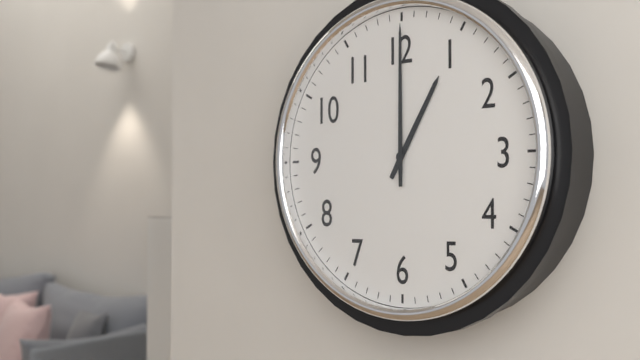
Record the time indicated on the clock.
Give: 1:00
